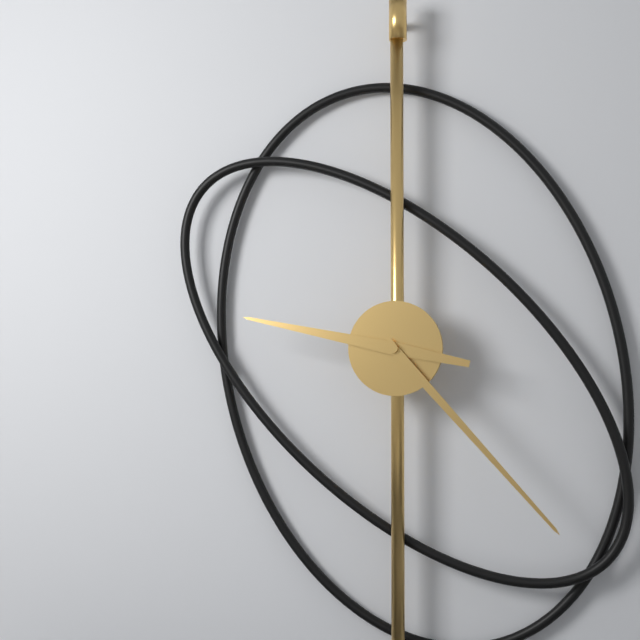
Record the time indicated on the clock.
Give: 9:23
